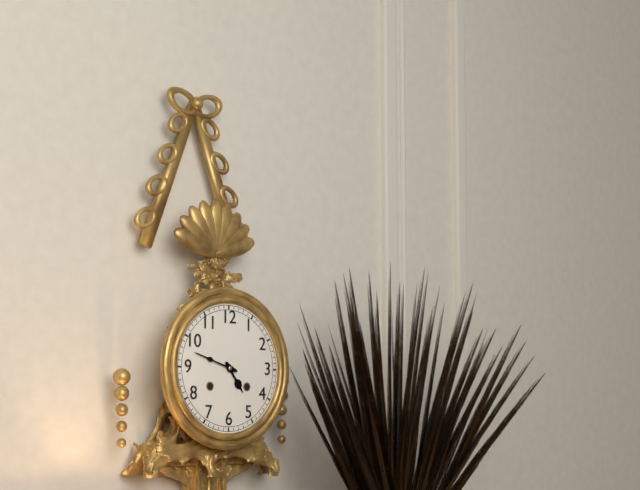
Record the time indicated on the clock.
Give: 4:48
